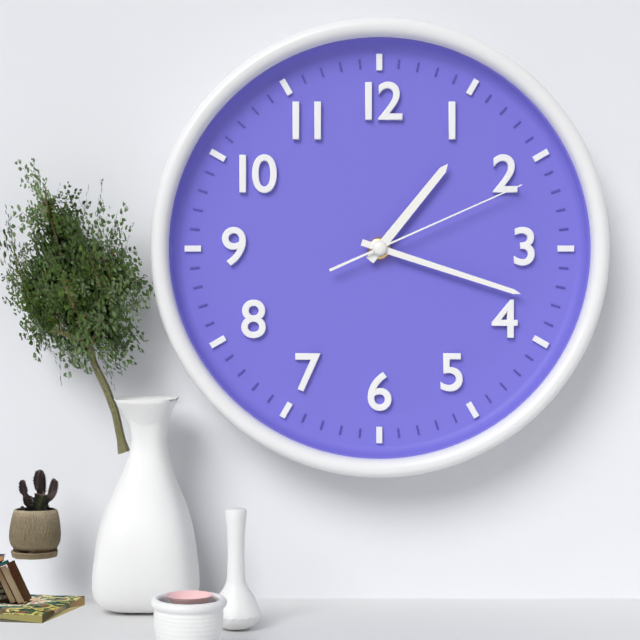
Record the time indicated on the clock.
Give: 1:18:11
